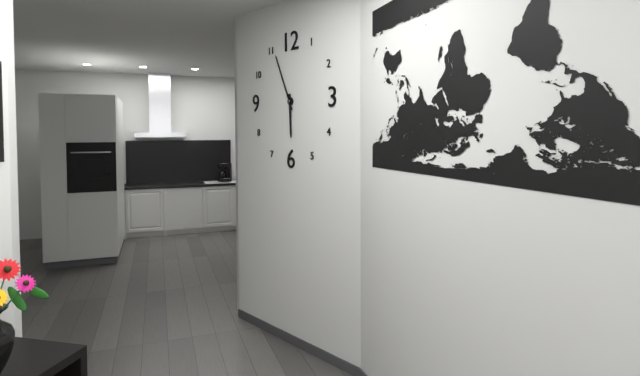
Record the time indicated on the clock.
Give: 5:56
